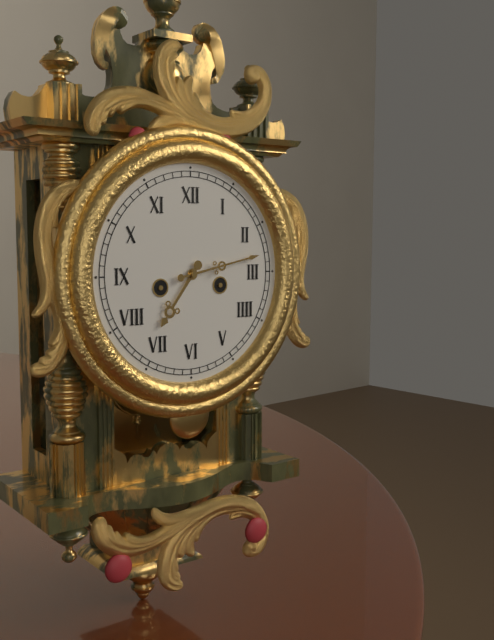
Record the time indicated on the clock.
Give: 7:13
